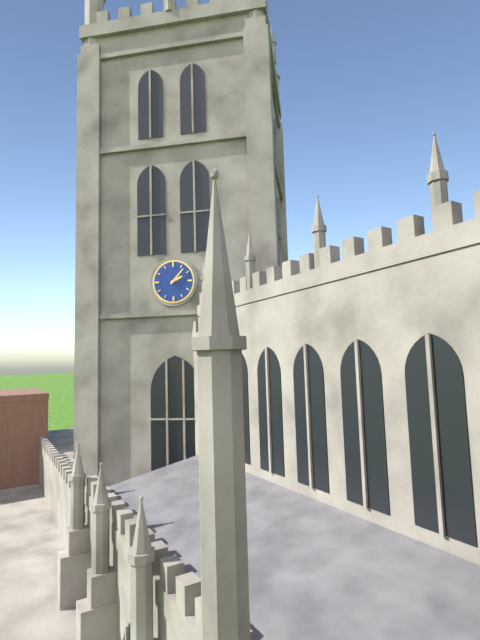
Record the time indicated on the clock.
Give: 2:07
